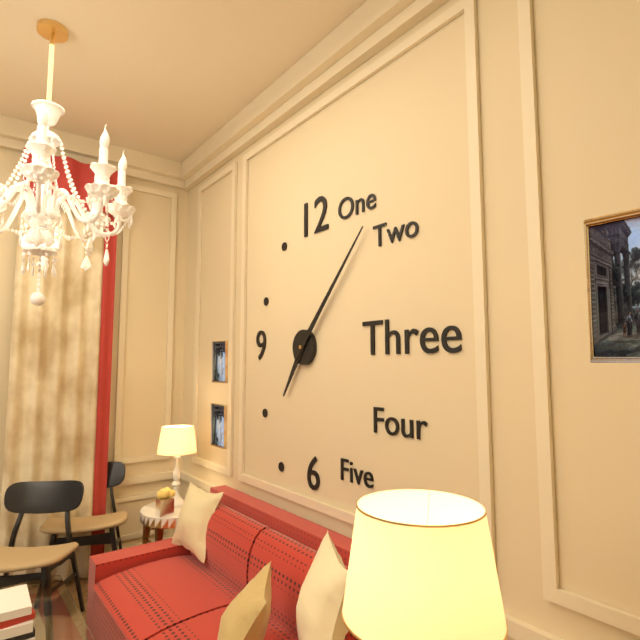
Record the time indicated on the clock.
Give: 7:07
